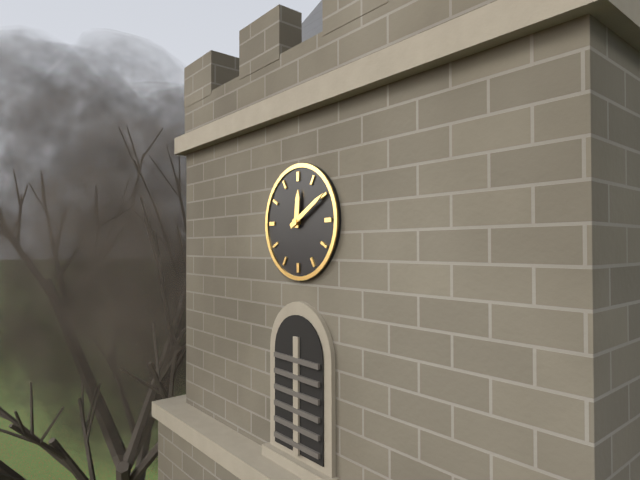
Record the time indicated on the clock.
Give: 12:10
